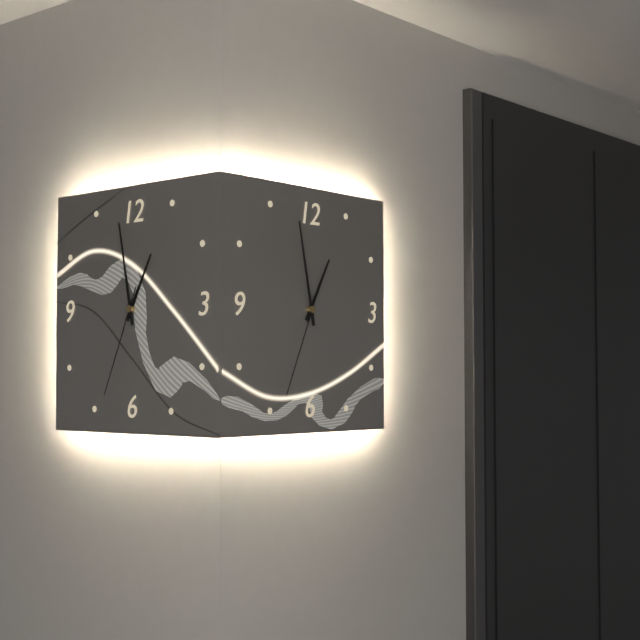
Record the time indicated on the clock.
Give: 12:58:34
